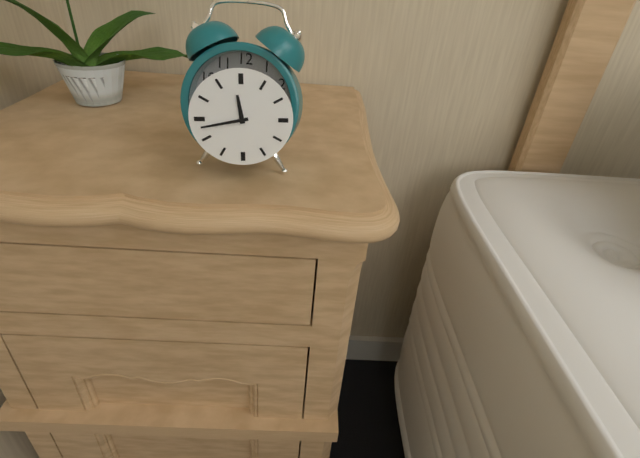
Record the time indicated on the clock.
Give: 11:43
